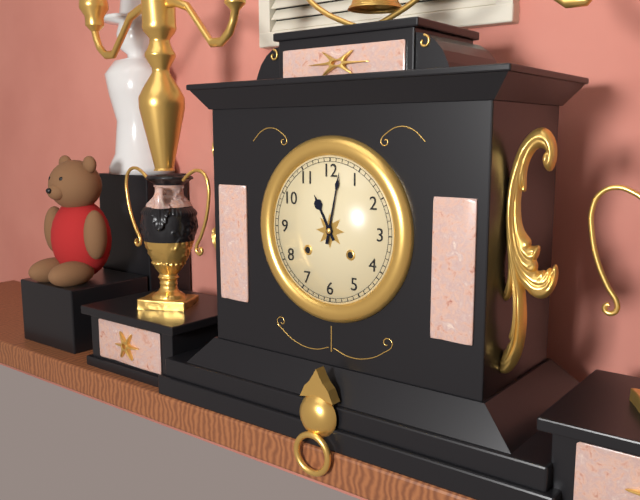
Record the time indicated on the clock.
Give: 11:02
